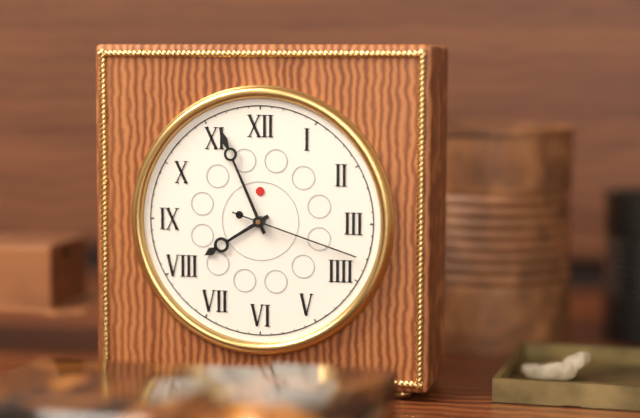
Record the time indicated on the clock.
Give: 7:56:18
